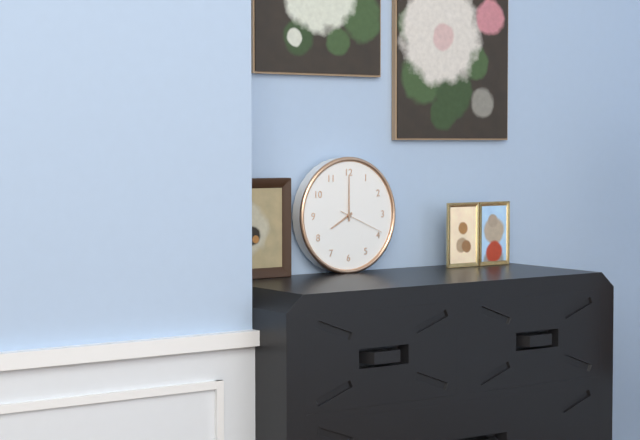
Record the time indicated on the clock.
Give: 8:00
